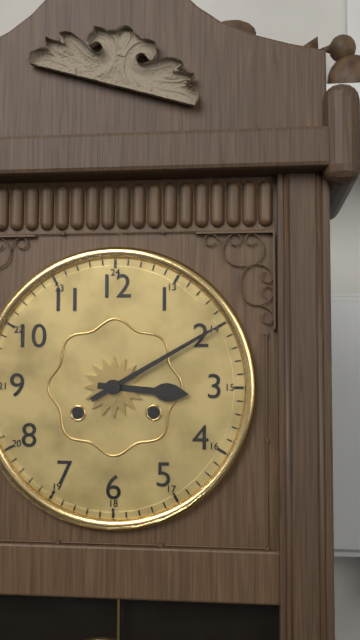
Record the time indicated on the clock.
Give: 3:10
